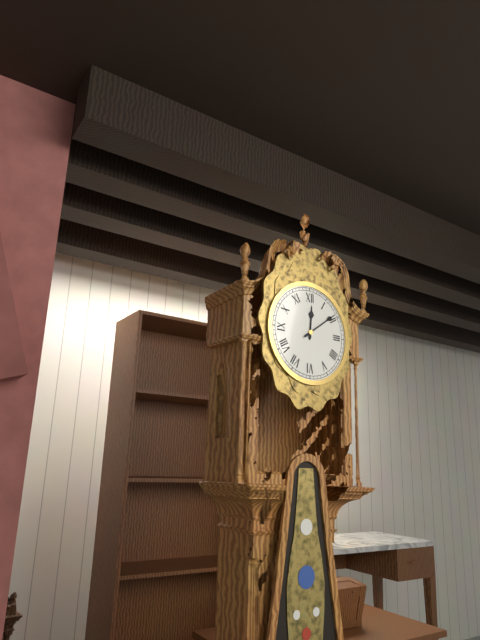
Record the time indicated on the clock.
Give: 12:09
